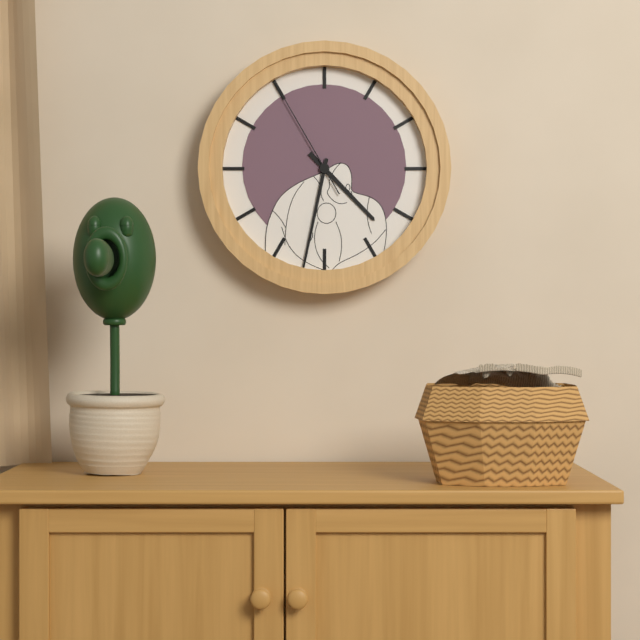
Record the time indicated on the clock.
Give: 4:32:55
